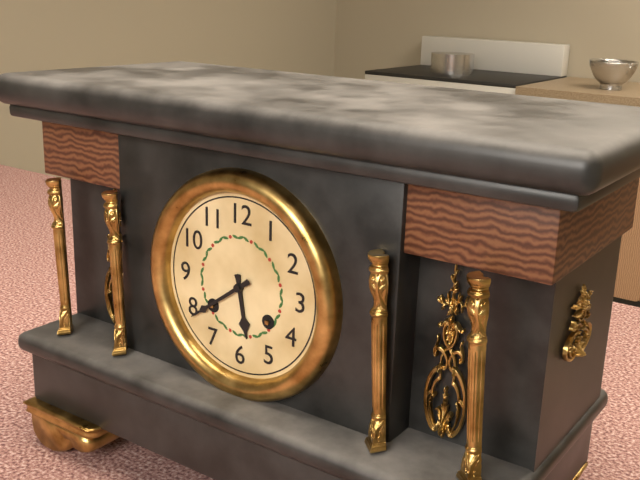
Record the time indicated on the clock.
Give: 5:39
